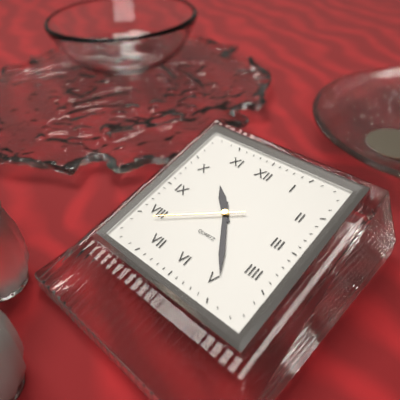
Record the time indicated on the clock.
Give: 10:24:39
